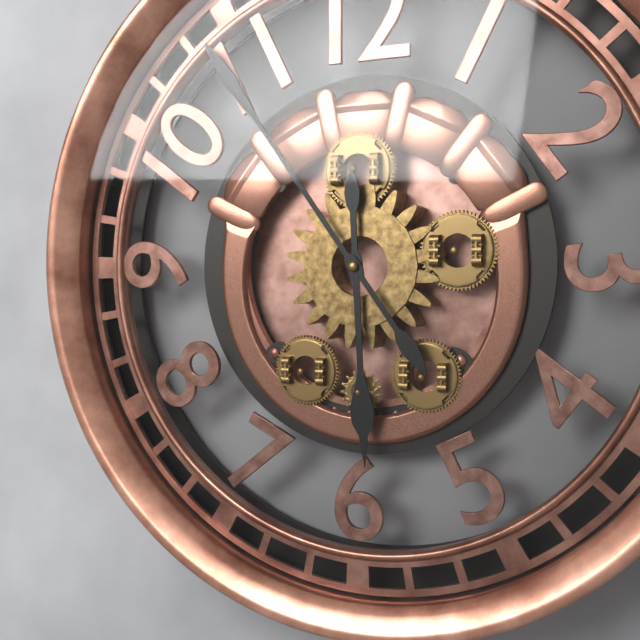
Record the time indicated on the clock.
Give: 5:54
